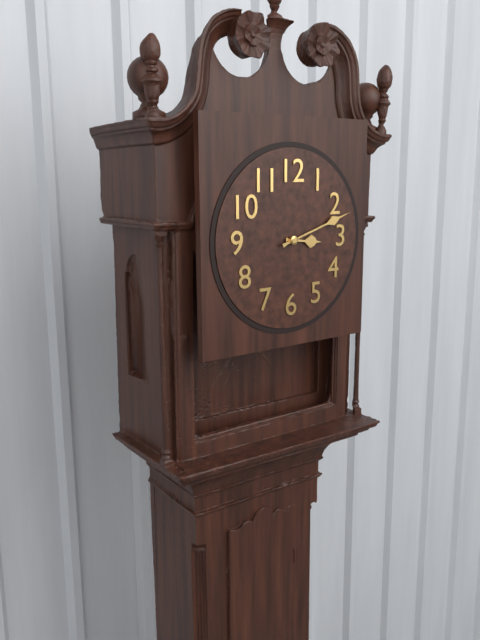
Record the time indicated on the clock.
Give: 3:12
